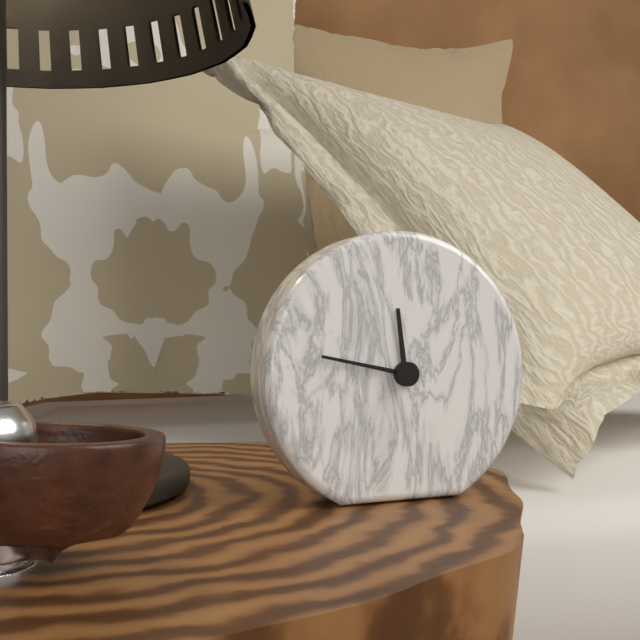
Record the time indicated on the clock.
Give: 11:47
